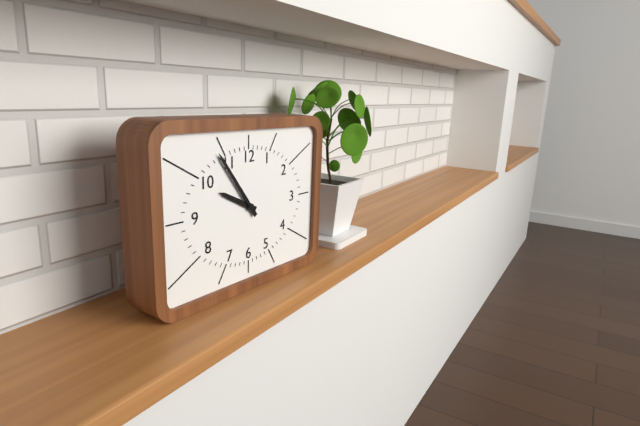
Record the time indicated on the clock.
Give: 9:54
